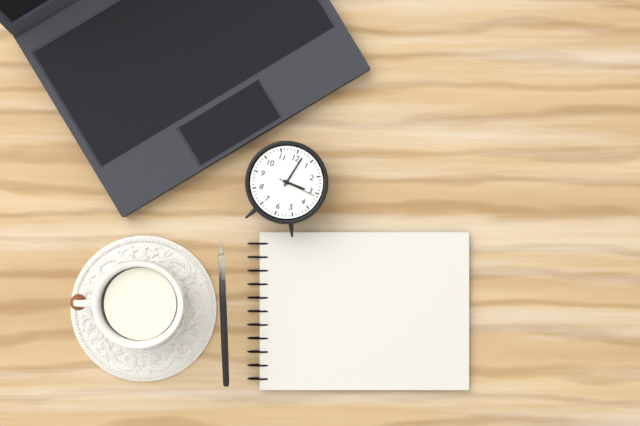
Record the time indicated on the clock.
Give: 3:02
